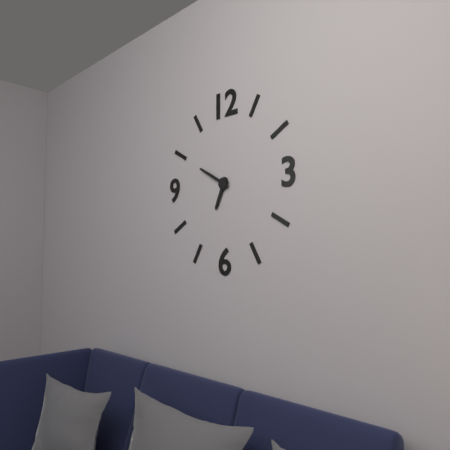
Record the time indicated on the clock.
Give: 6:50
